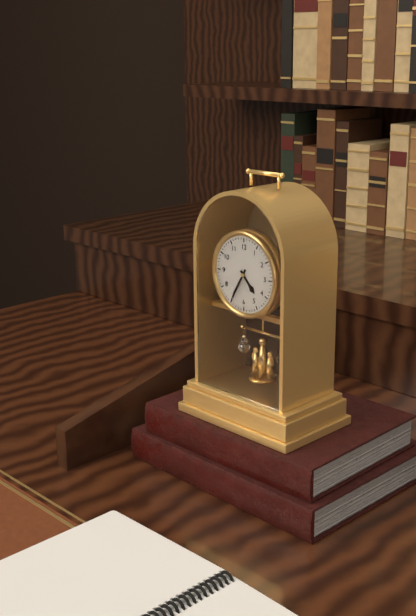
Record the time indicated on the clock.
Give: 4:35
